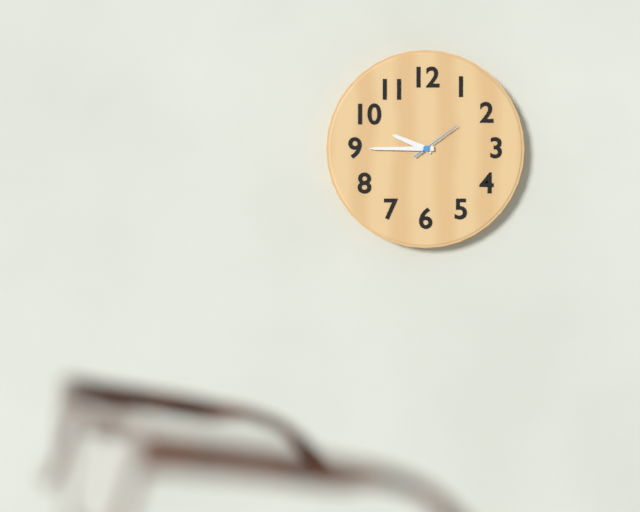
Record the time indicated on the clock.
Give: 9:45
